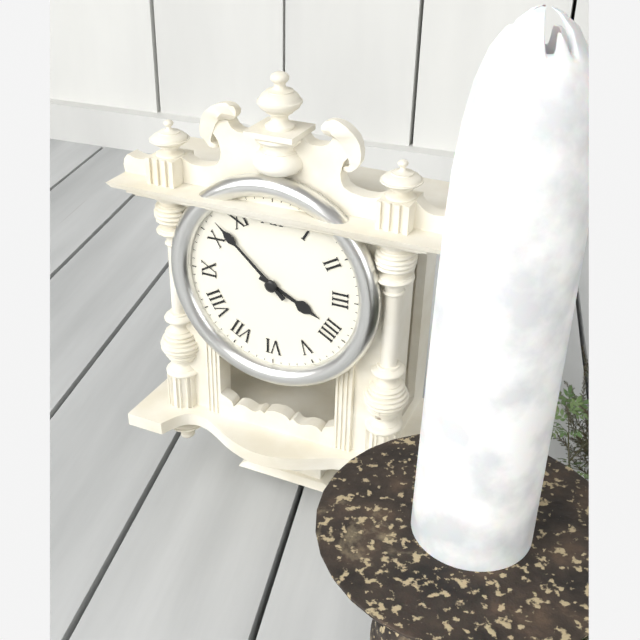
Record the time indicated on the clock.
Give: 3:52
